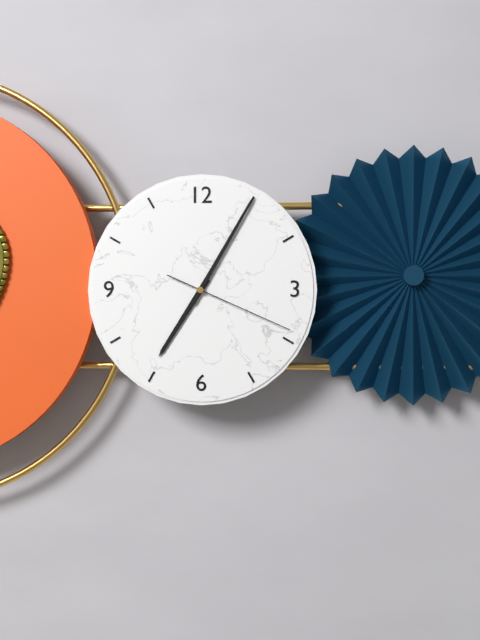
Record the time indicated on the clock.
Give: 7:05:19
